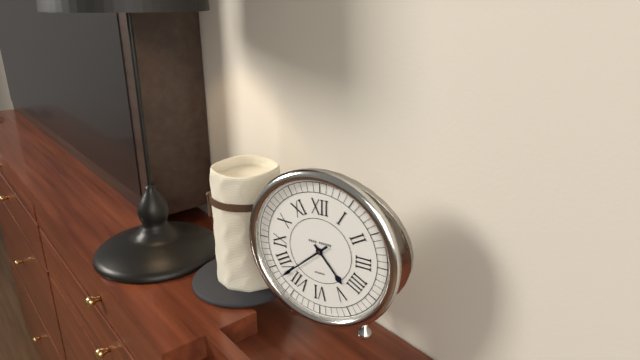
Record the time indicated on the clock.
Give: 4:38
